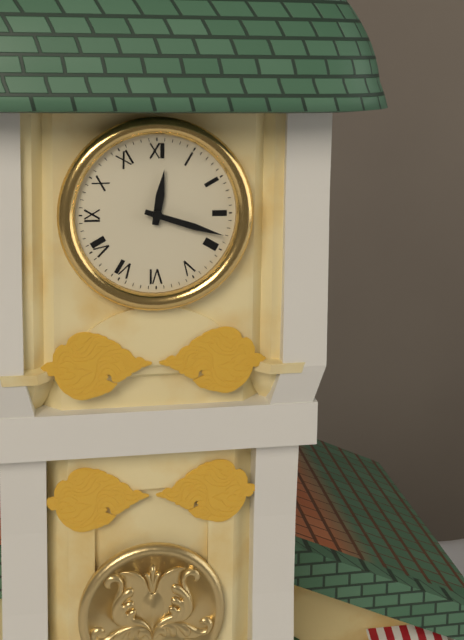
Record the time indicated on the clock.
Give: 12:18
